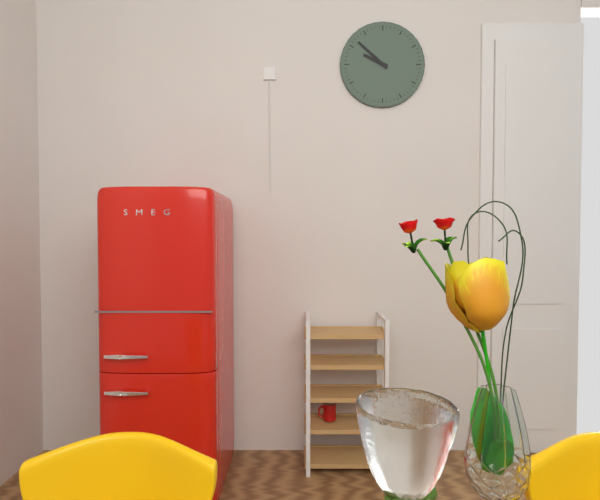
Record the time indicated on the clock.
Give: 9:52
